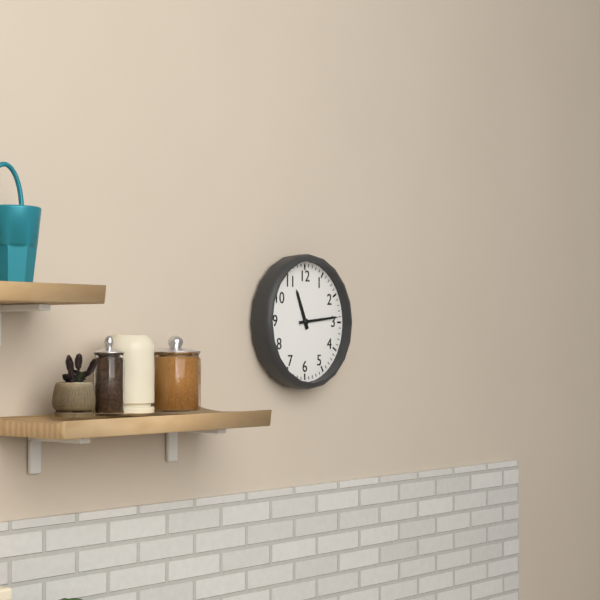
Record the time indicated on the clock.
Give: 11:14
